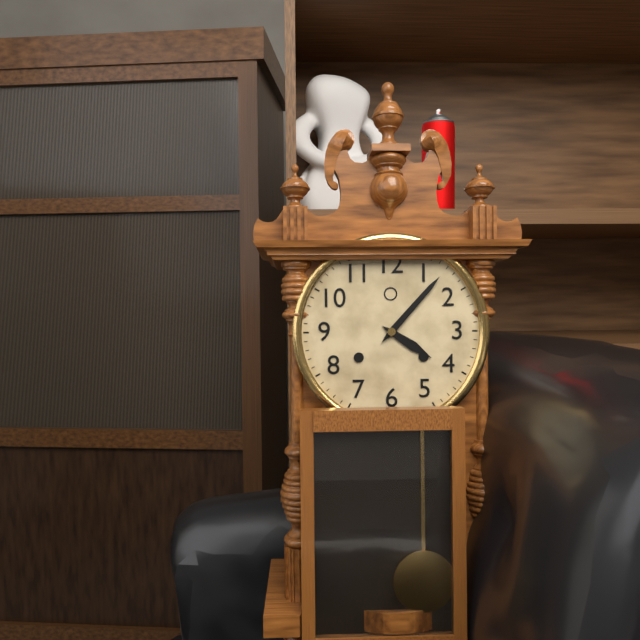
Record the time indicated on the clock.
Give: 4:07
